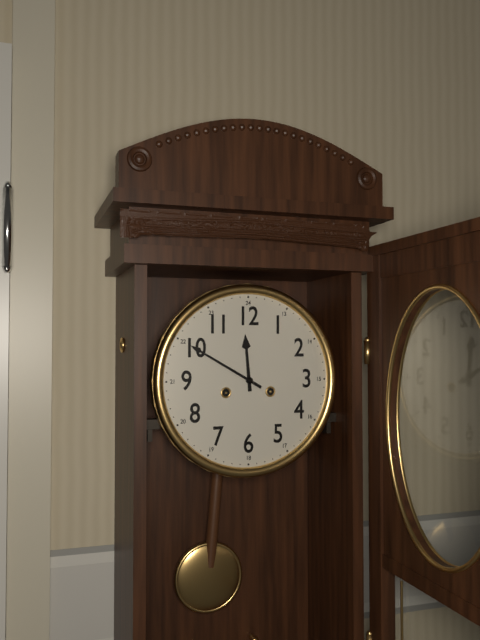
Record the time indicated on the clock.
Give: 11:50
